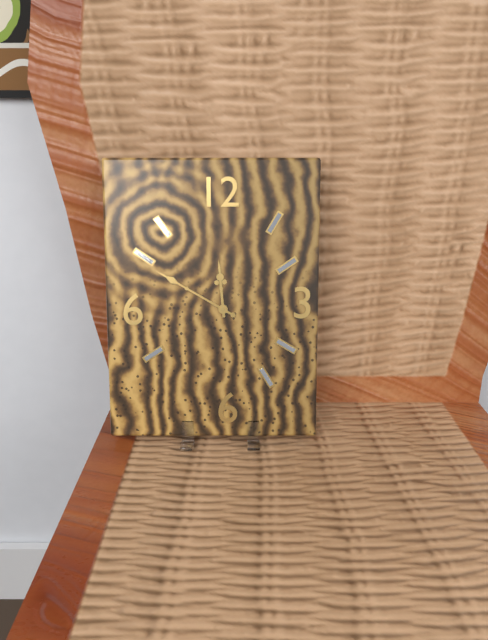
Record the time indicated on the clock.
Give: 11:50
